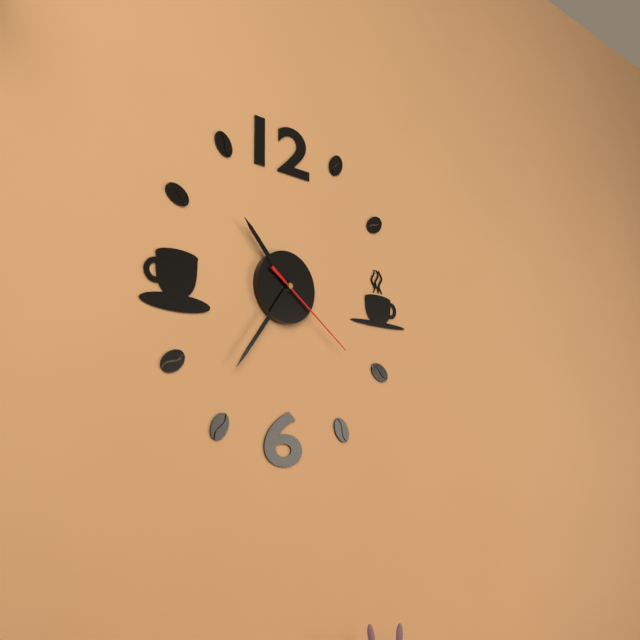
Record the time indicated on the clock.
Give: 10:36:21
